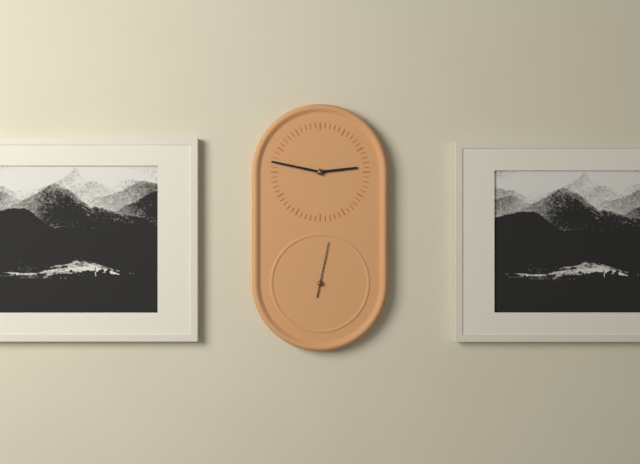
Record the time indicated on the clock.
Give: 2:47:02
